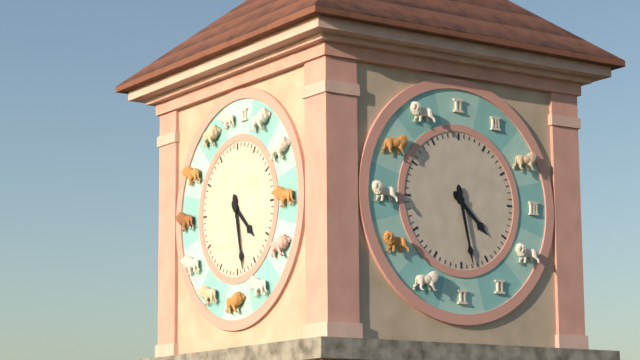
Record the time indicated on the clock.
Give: 4:28
